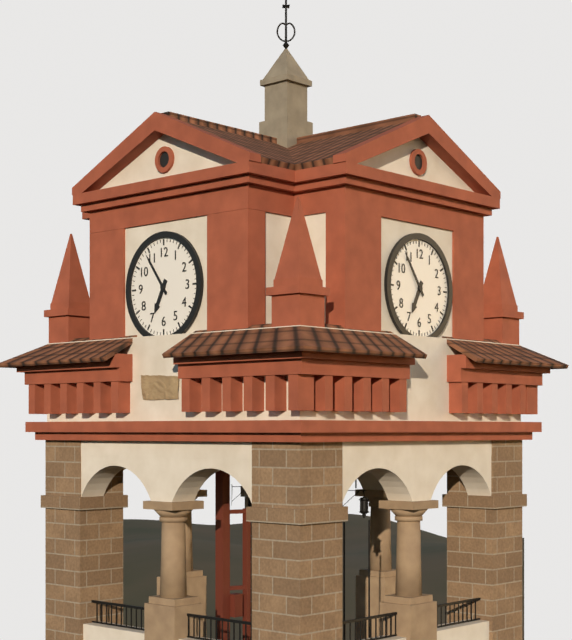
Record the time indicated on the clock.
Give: 6:54
